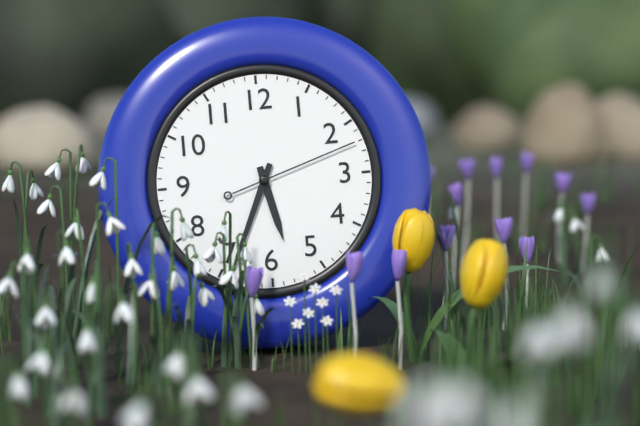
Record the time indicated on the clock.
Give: 5:34:12
